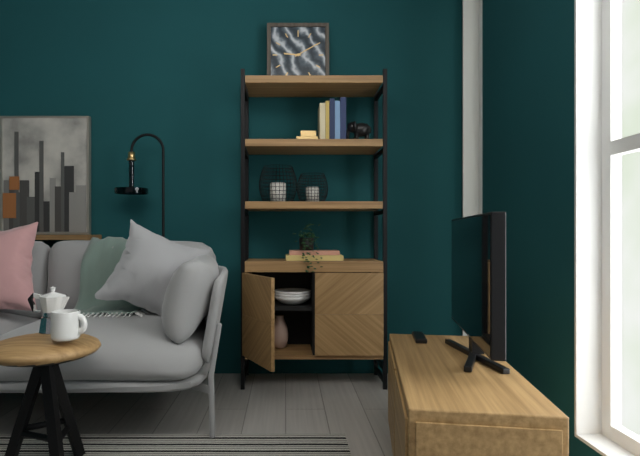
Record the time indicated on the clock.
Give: 9:10
